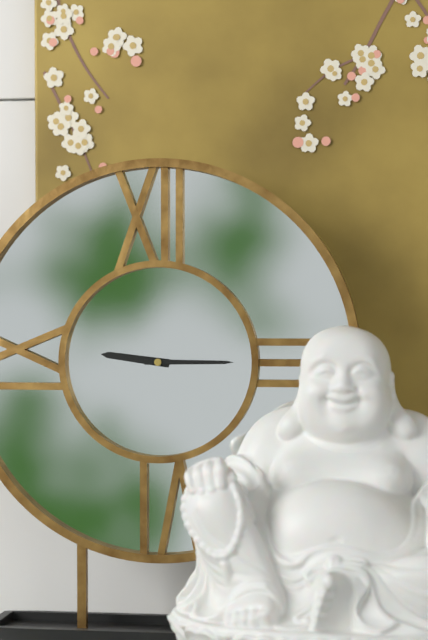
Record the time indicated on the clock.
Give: 9:15
